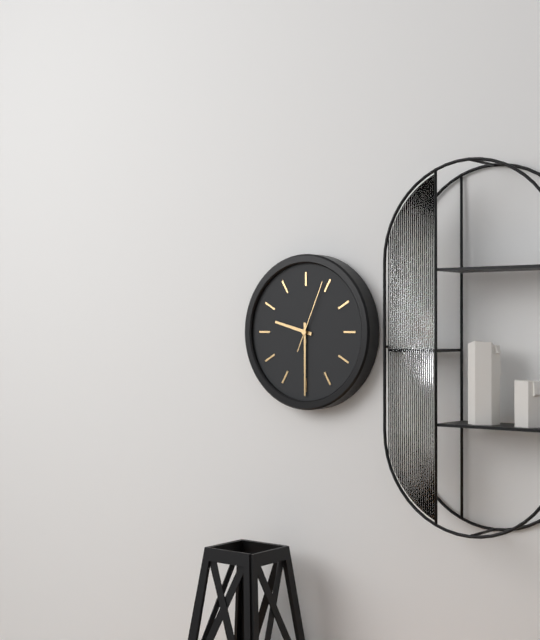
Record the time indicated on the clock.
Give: 9:30:04
